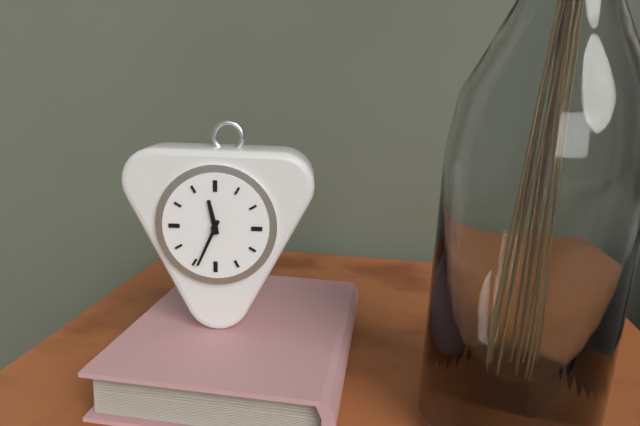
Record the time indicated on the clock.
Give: 11:34
